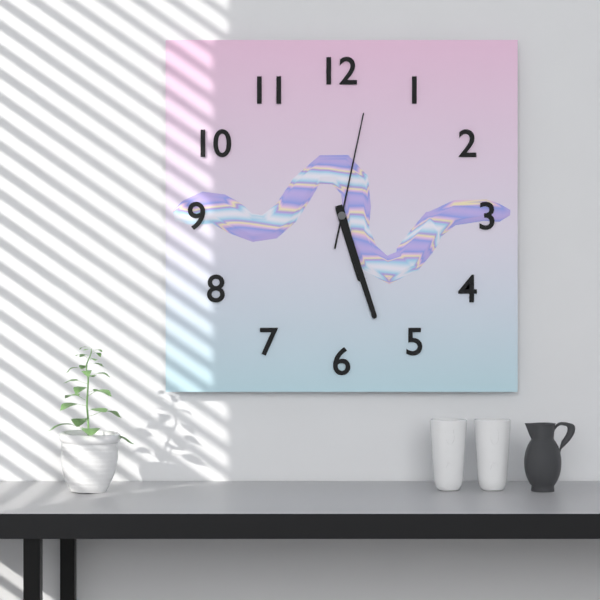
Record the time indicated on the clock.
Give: 5:27:02
